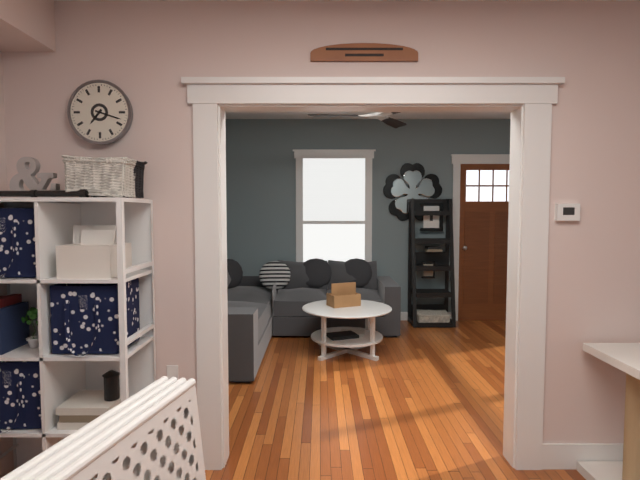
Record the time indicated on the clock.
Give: 7:18
